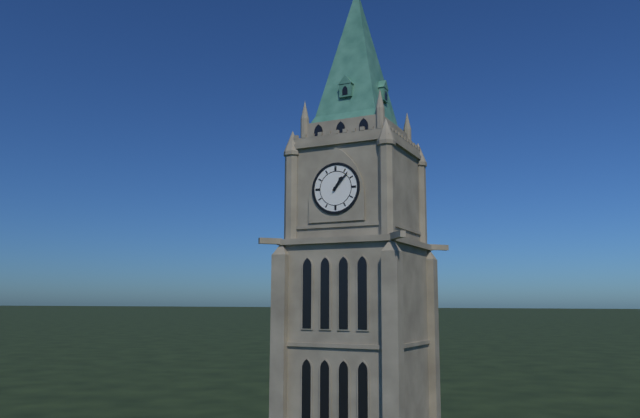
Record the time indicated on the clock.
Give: 1:07
